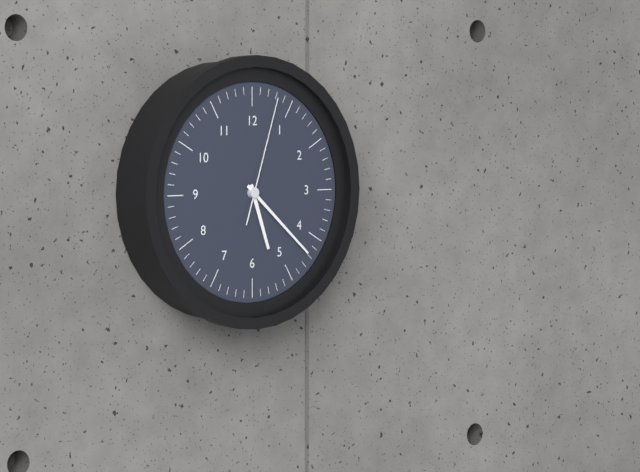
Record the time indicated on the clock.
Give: 5:22:03
